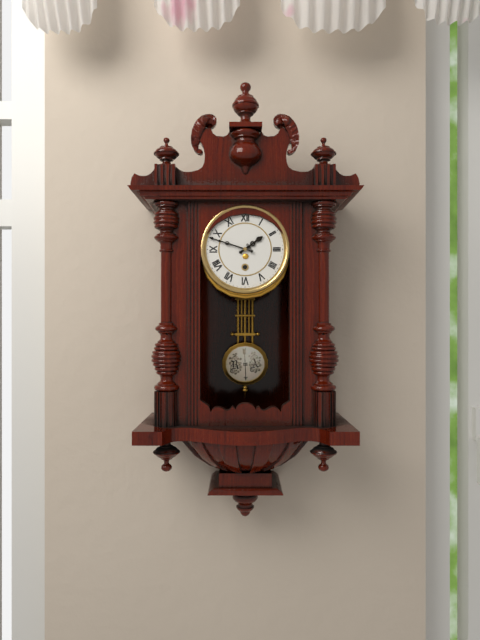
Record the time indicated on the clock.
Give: 1:48
